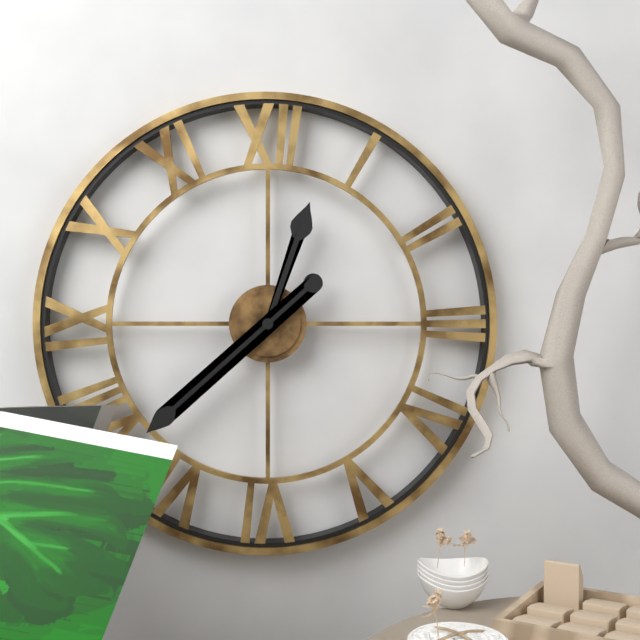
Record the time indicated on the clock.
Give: 12:38
